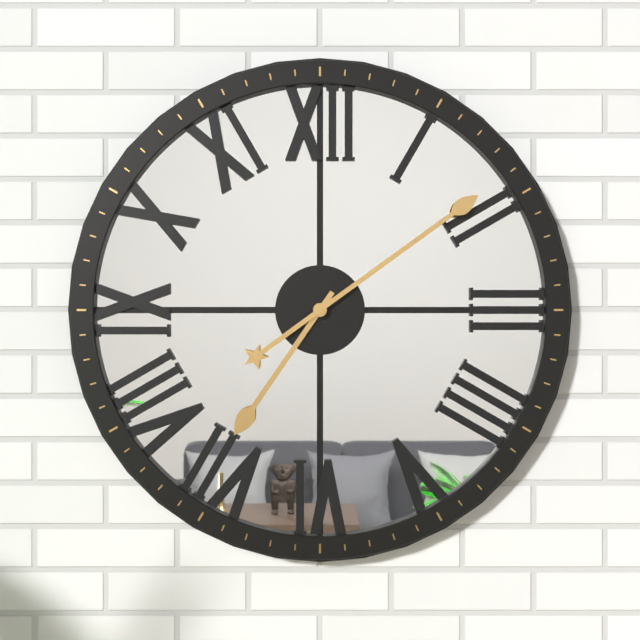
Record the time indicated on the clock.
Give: 7:09
